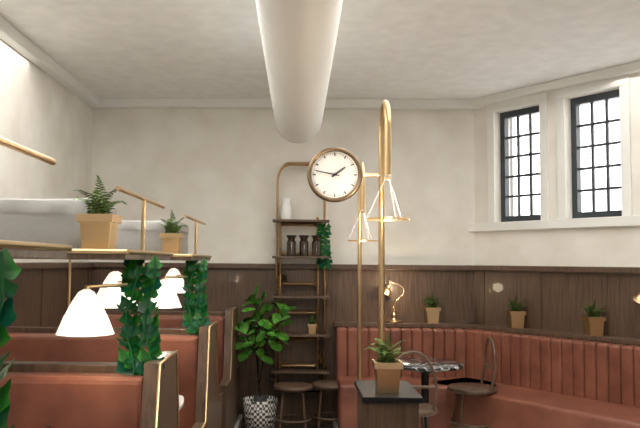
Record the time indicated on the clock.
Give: 1:47
